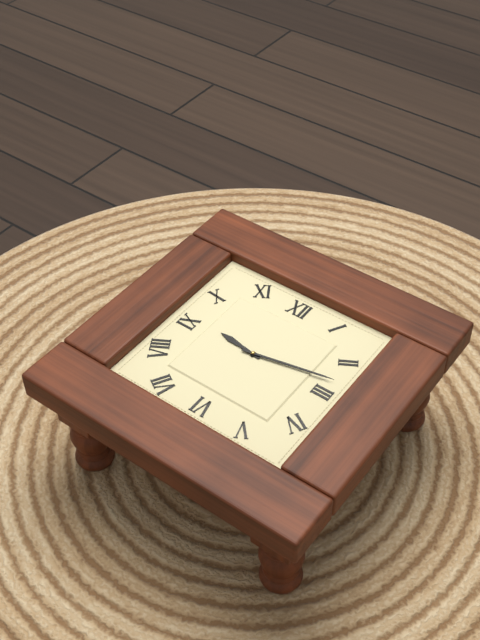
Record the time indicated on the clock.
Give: 9:13
